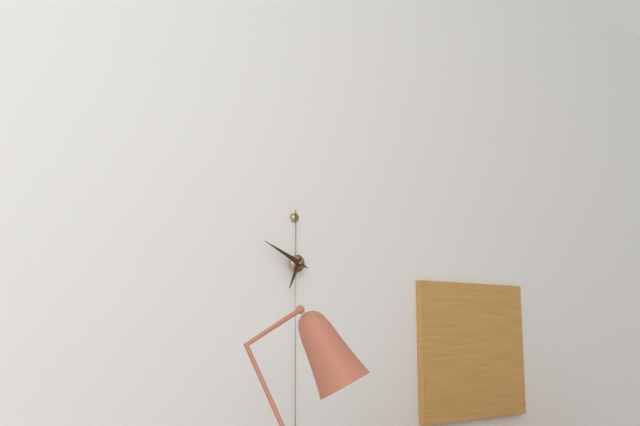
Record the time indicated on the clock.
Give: 6:49
